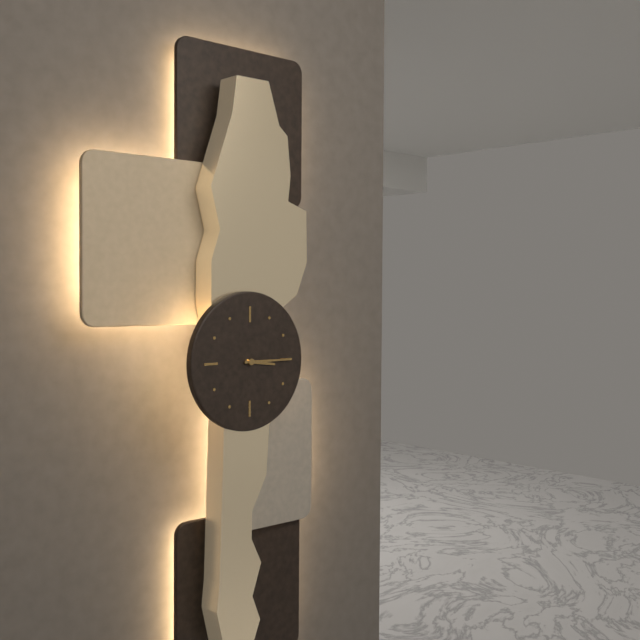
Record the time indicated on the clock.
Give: 3:15
